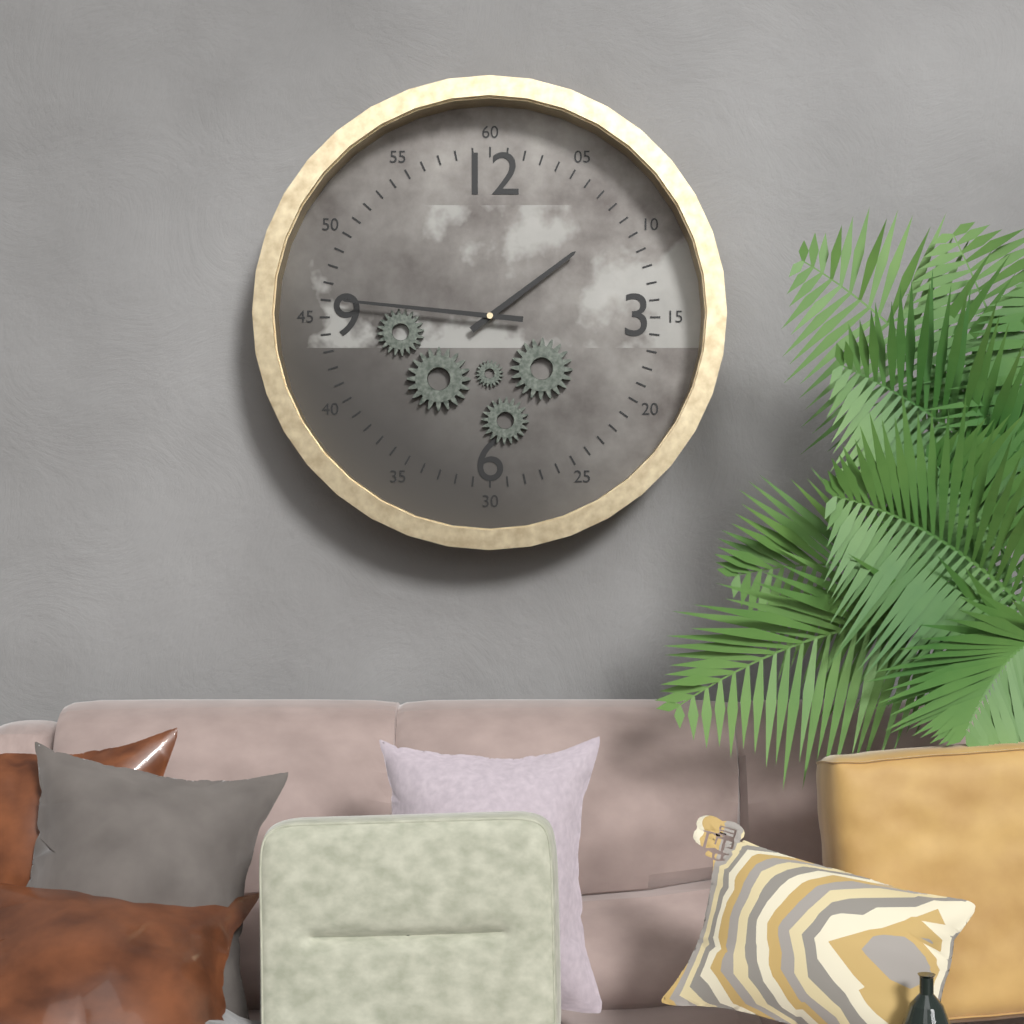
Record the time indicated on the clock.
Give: 1:46
